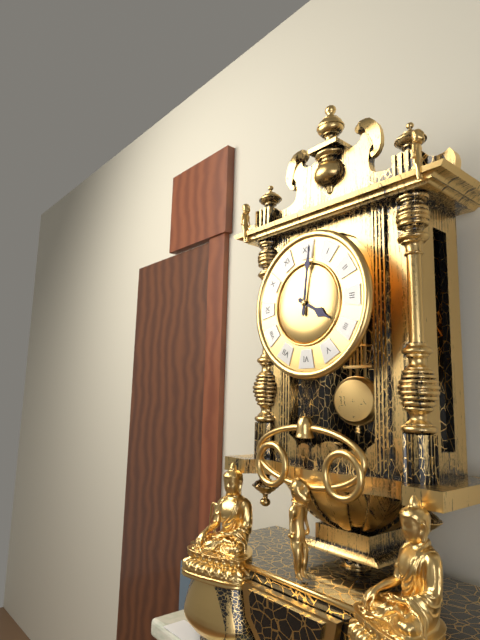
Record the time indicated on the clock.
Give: 4:01
